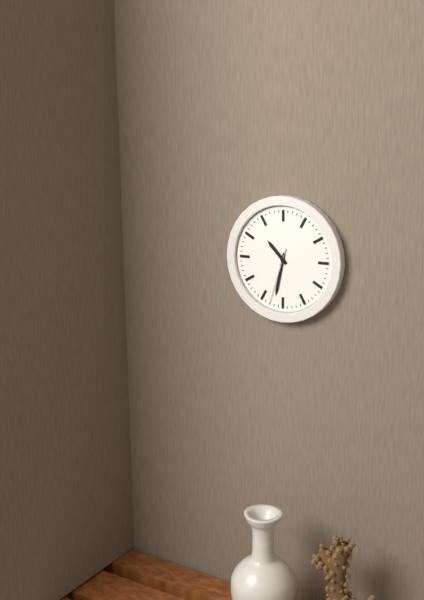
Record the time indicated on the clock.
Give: 10:32:33
